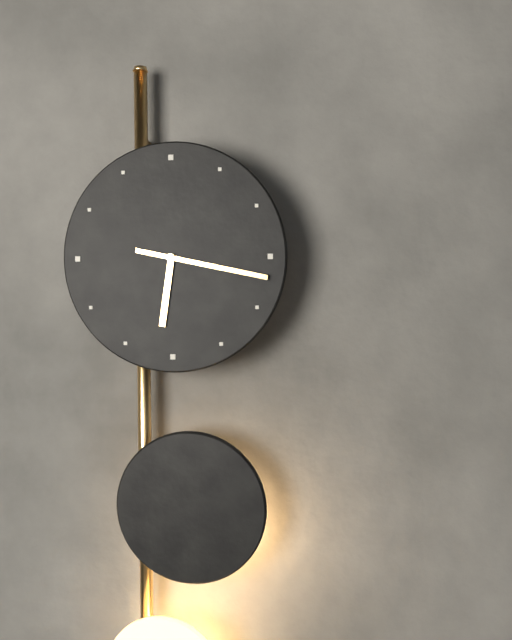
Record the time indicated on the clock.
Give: 6:17
